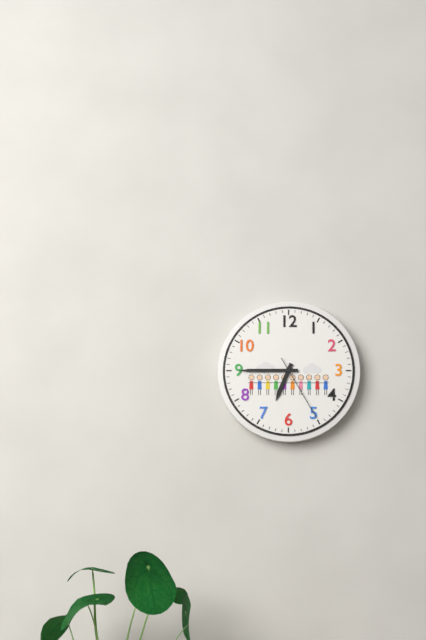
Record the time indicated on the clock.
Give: 6:45:25
